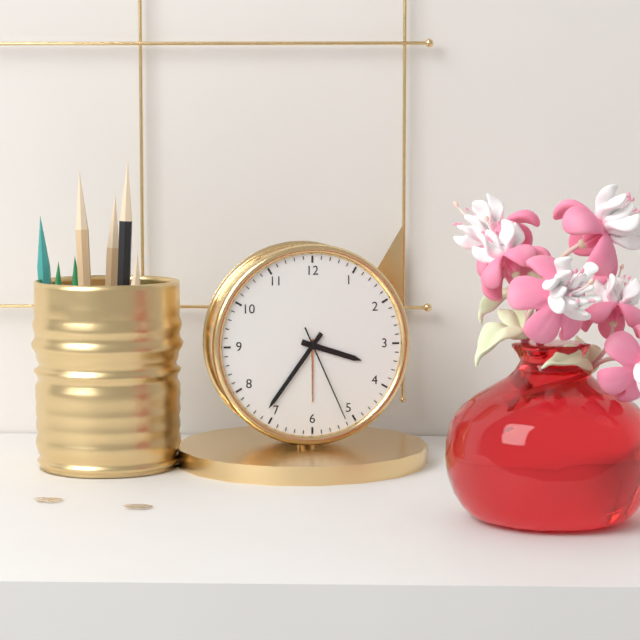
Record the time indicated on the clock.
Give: 3:36:26
